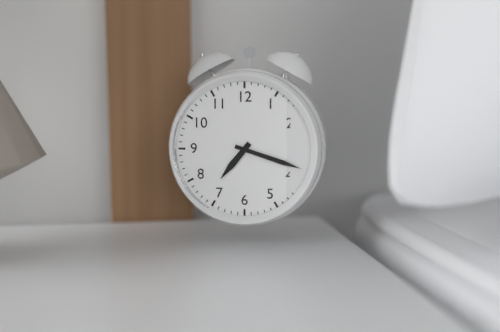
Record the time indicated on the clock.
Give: 7:18
